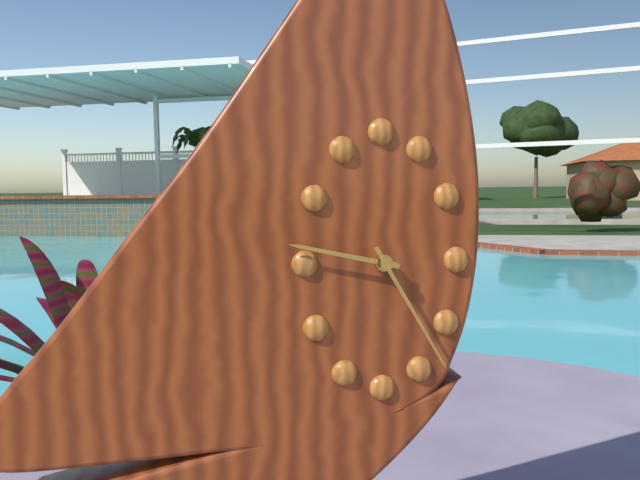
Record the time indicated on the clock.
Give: 9:25
